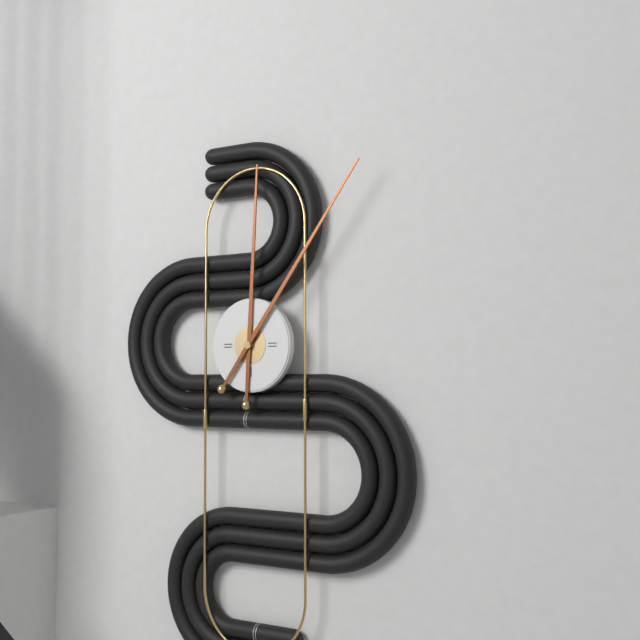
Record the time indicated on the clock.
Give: 12:06
